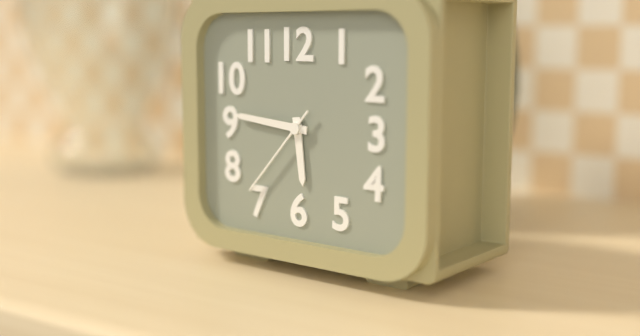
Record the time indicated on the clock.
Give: 5:46:37
